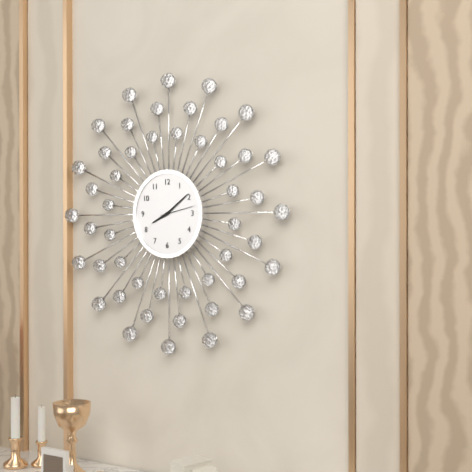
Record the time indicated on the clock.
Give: 8:09
